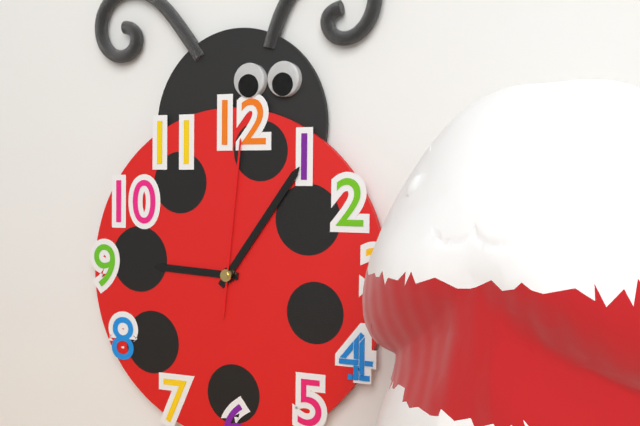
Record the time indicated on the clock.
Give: 9:06:01
